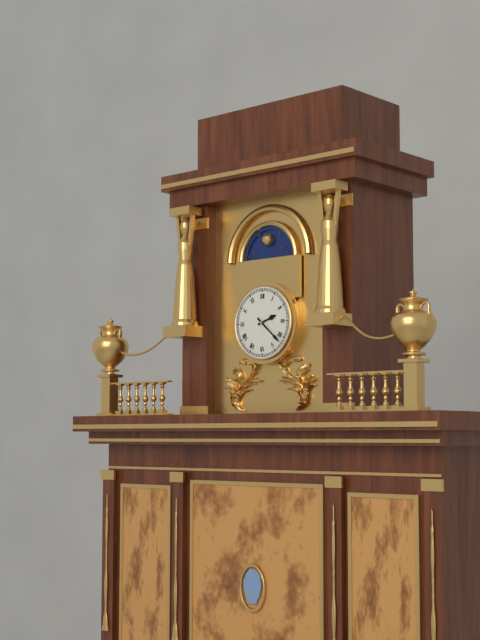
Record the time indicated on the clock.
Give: 2:22
